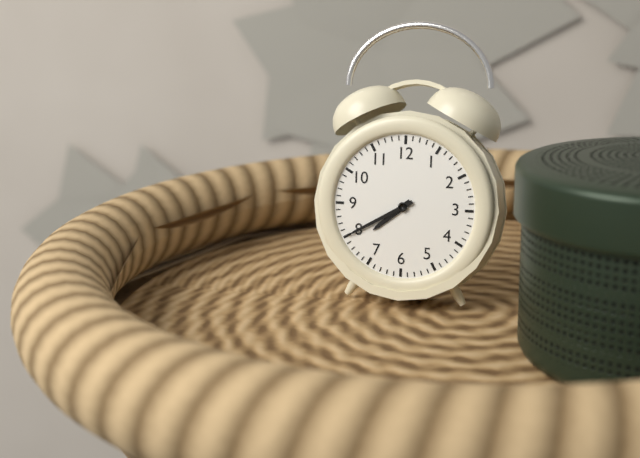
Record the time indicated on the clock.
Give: 7:40
